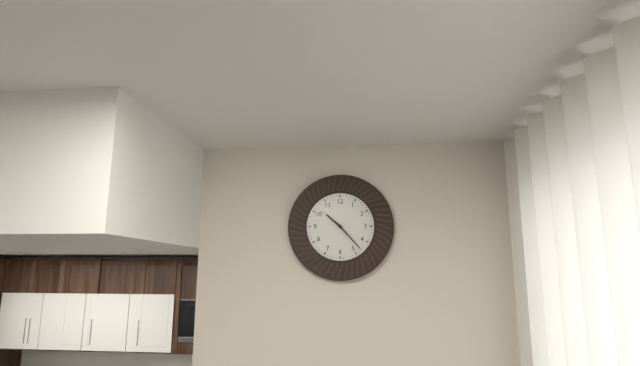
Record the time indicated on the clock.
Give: 10:23
